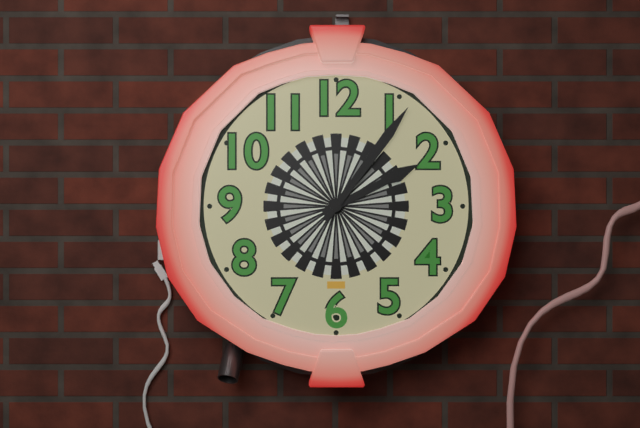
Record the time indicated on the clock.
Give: 2:06
